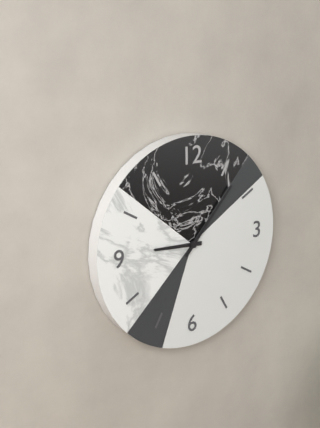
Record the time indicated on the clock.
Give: 9:07
